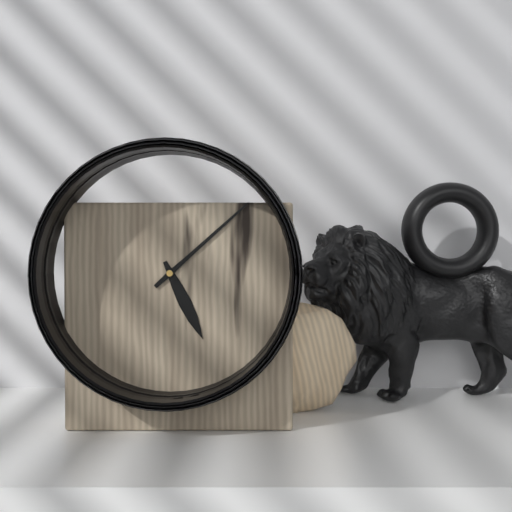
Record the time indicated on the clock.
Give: 5:08
